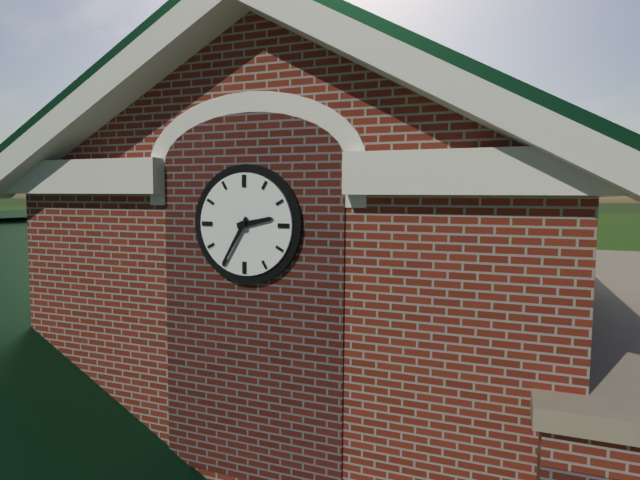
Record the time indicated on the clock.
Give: 2:35
